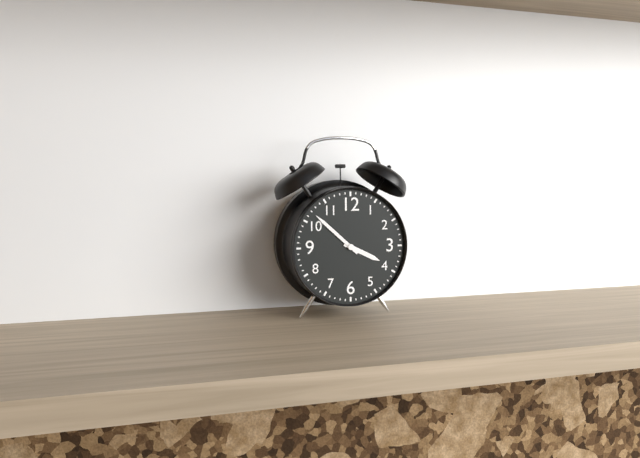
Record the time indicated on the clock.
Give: 3:52
